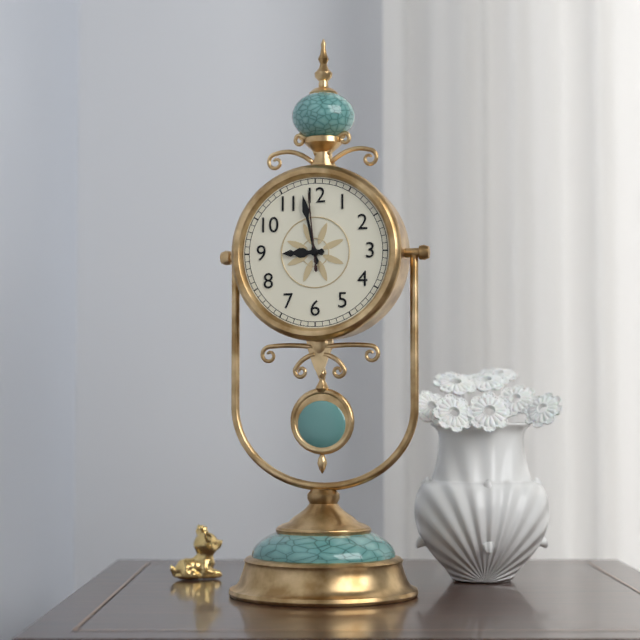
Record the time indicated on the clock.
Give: 8:58:59
